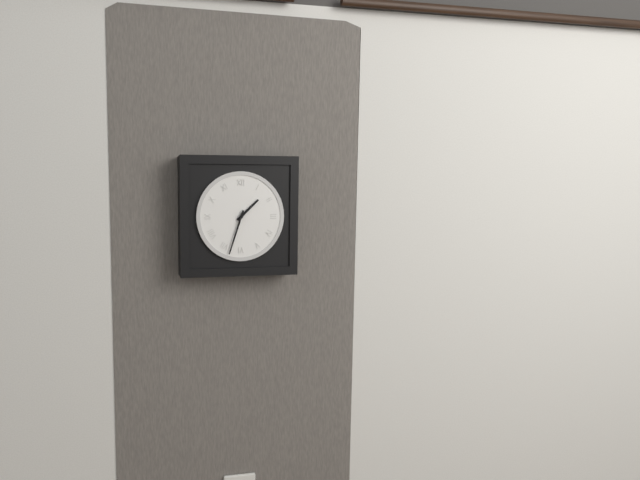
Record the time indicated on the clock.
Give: 1:33
